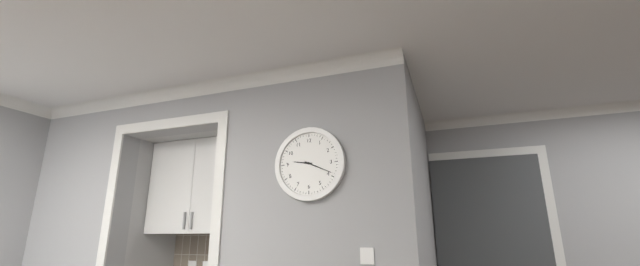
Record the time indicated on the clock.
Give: 9:19
